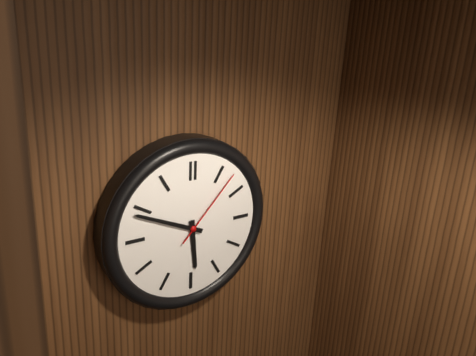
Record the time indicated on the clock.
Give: 5:49:07
